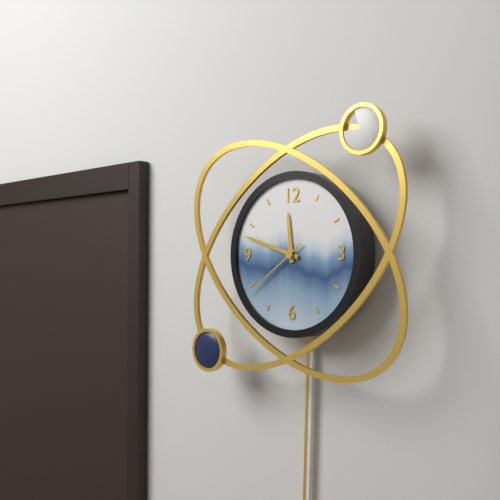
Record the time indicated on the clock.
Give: 11:48:39
